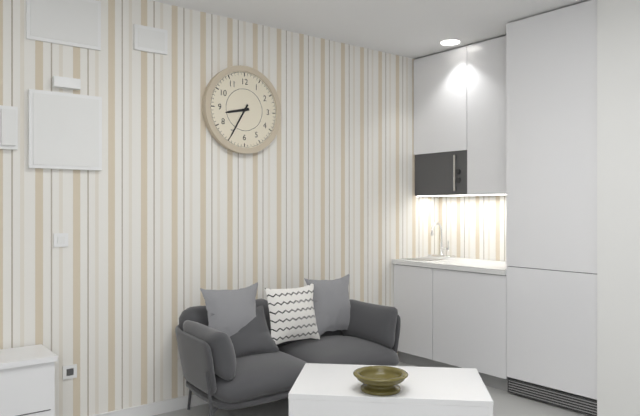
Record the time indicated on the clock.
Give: 8:35
